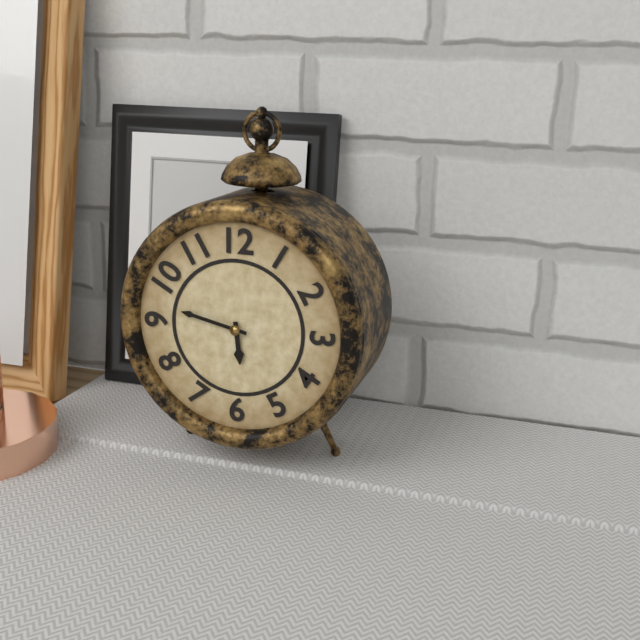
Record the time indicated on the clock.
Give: 5:47
